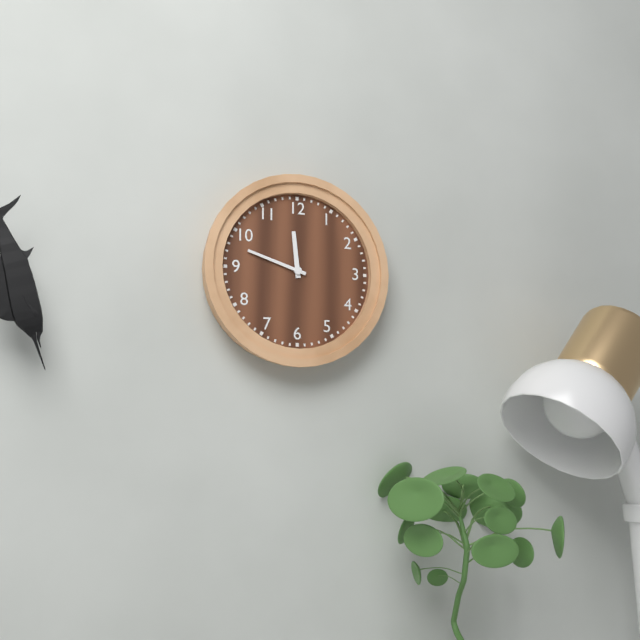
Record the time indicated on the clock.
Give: 11:48
